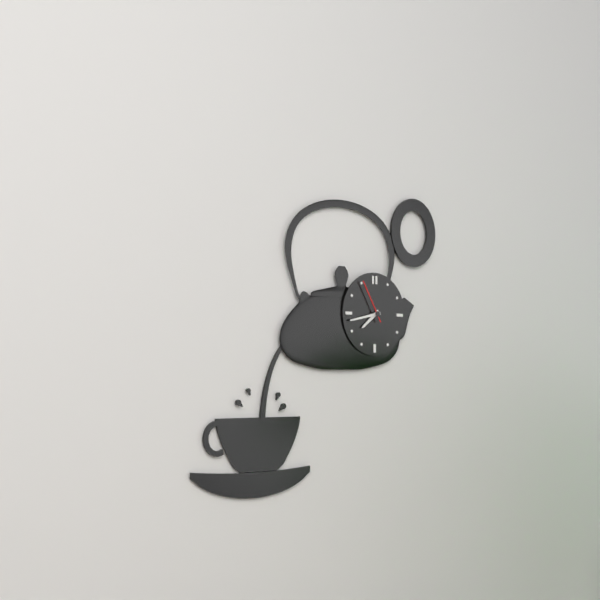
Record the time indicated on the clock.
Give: 7:43
